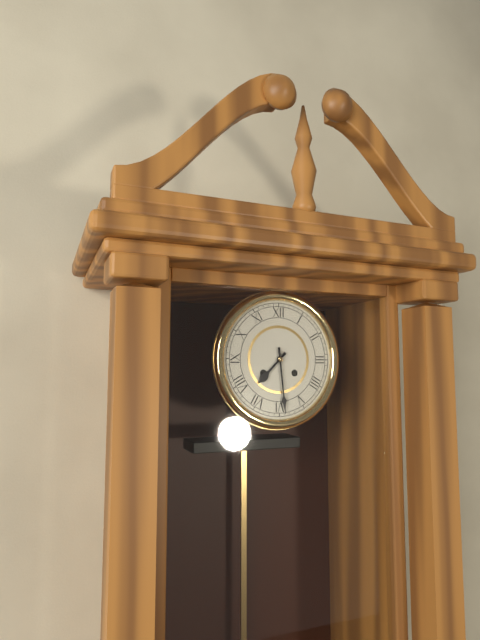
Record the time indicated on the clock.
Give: 7:29
